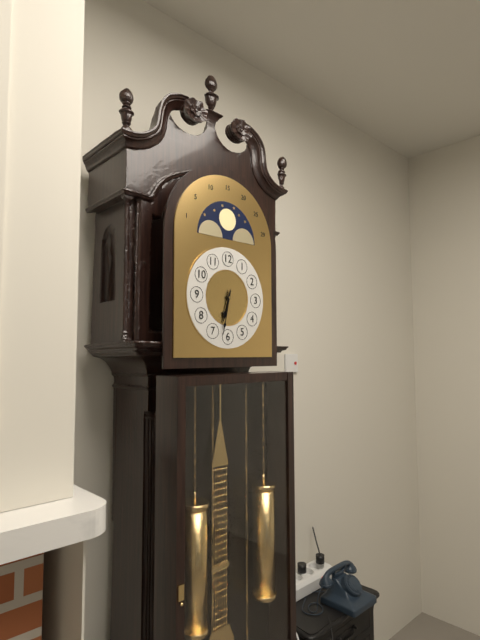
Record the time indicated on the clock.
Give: 6:32
